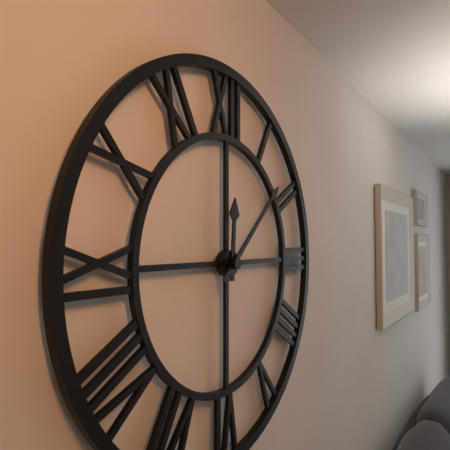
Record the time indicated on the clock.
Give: 12:08
